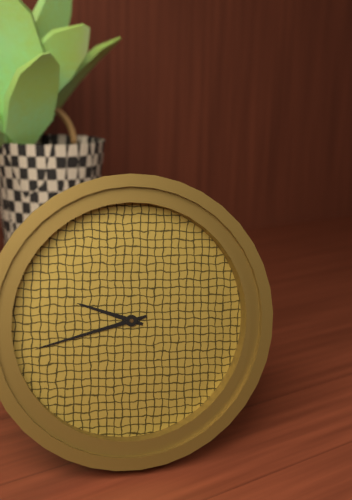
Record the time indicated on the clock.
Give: 9:43
